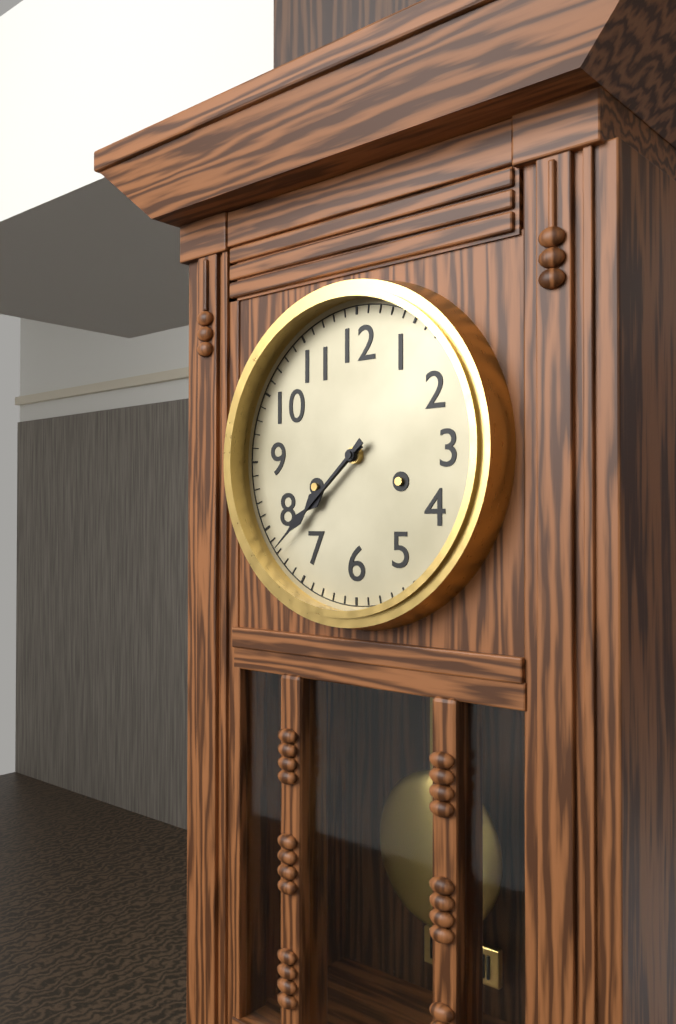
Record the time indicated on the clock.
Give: 7:38
